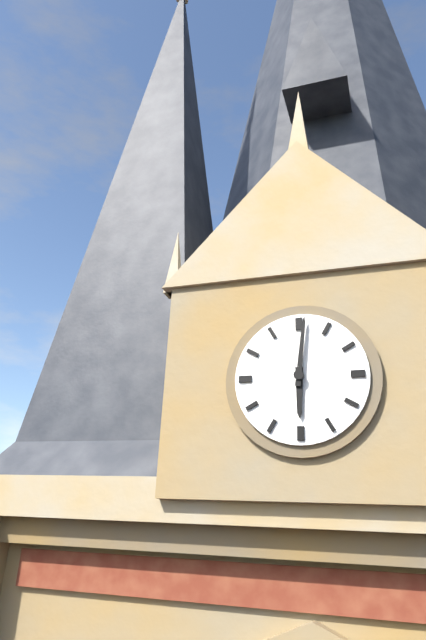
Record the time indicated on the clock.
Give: 6:01
